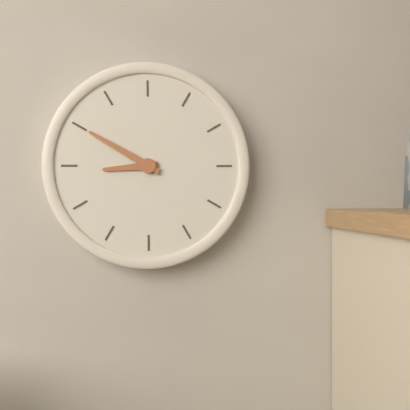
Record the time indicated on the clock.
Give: 8:50
